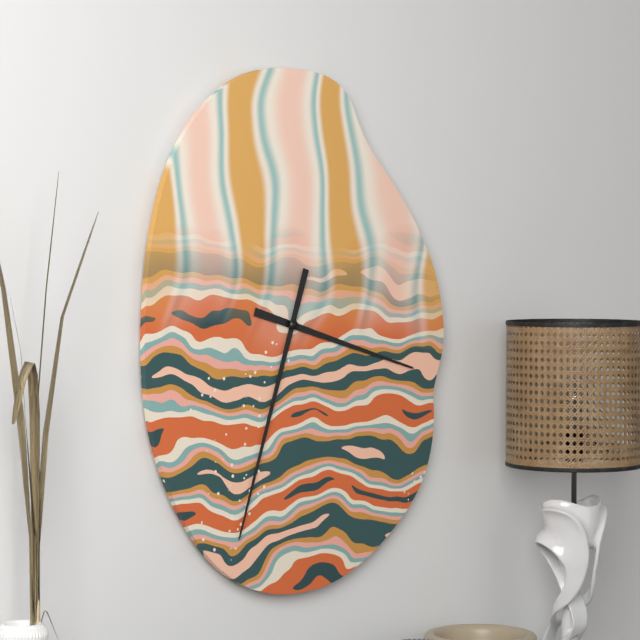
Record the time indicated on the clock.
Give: 3:33
